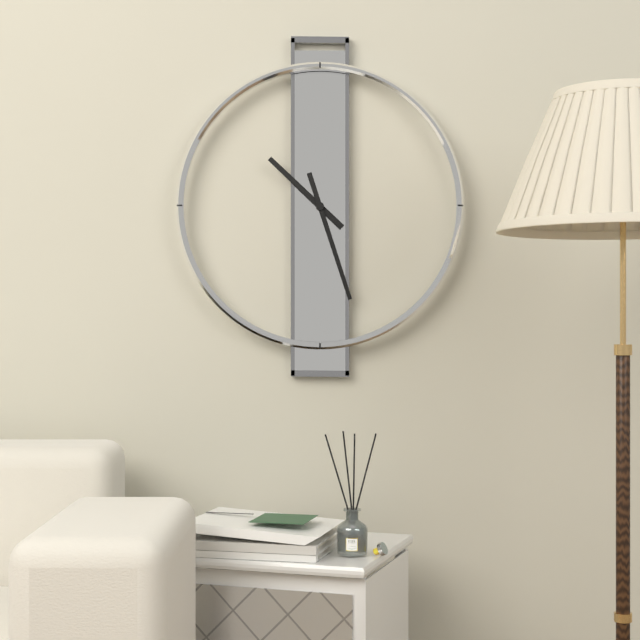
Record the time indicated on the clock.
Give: 10:27
